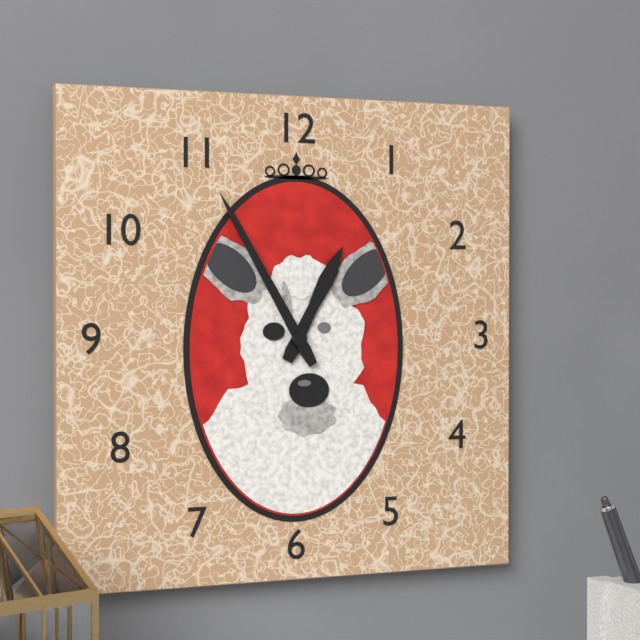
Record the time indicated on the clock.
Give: 12:55
